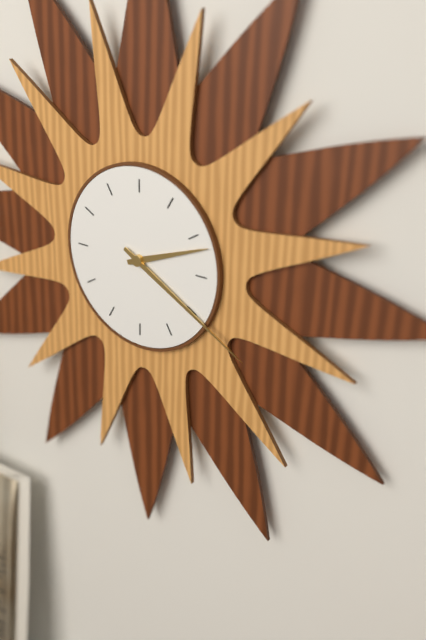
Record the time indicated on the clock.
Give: 2:20
